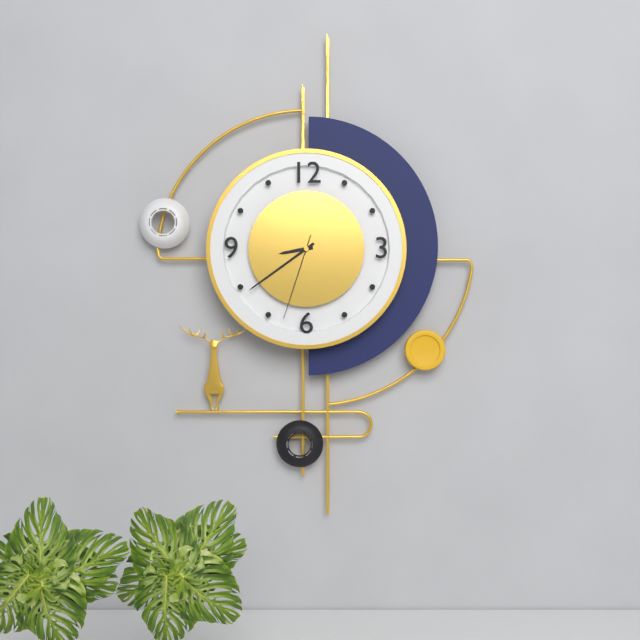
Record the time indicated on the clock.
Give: 8:39:33
